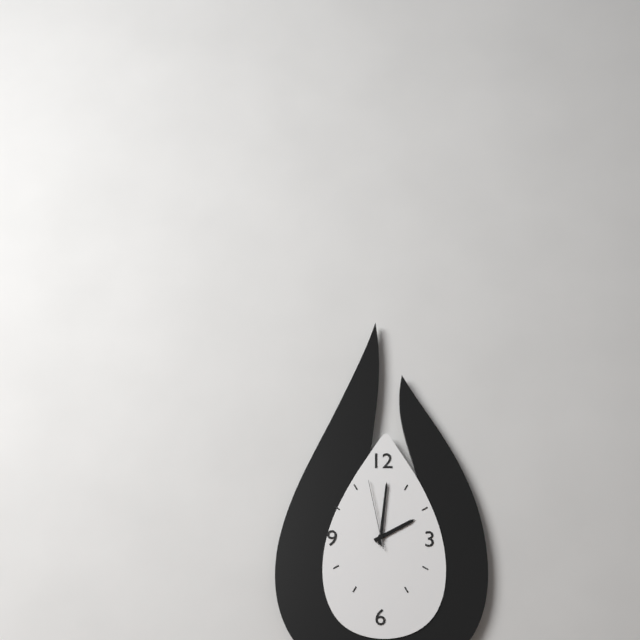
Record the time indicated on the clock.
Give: 2:01:58
